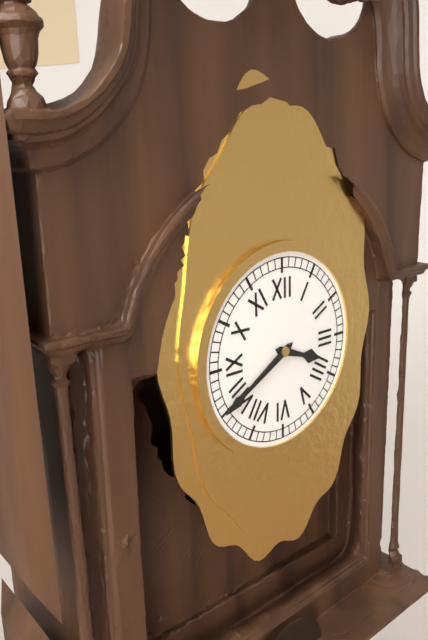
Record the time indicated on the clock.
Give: 3:40
